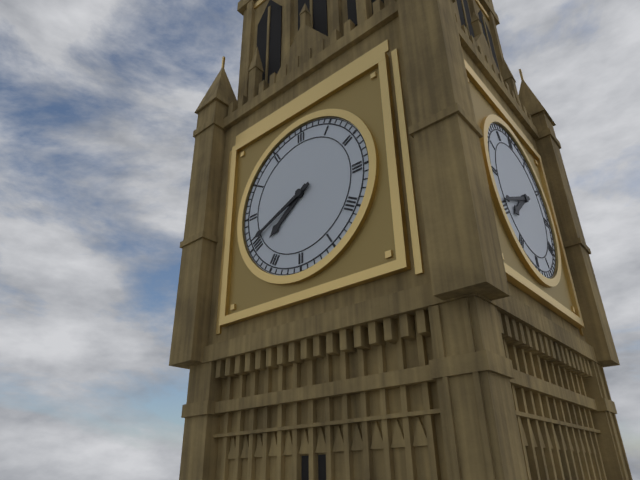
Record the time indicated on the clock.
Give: 7:41
